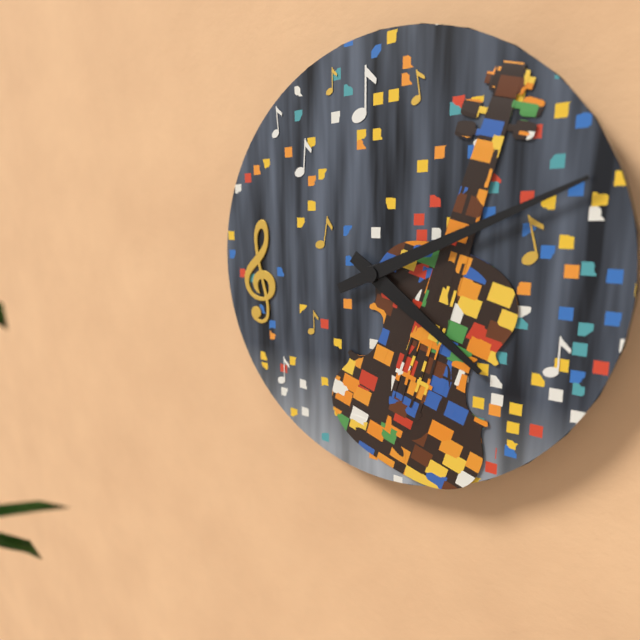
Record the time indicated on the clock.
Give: 4:11
